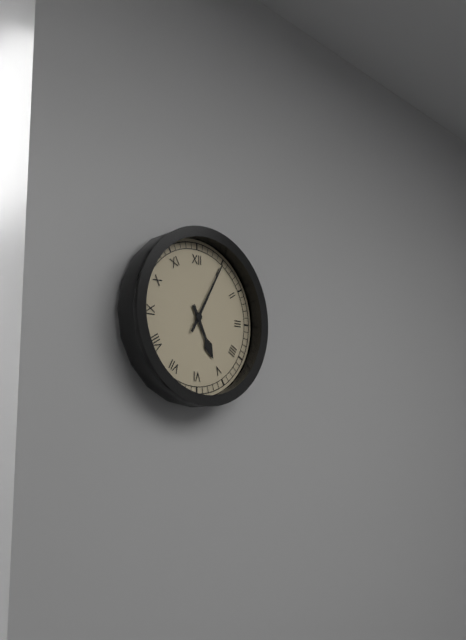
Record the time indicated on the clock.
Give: 5:05
